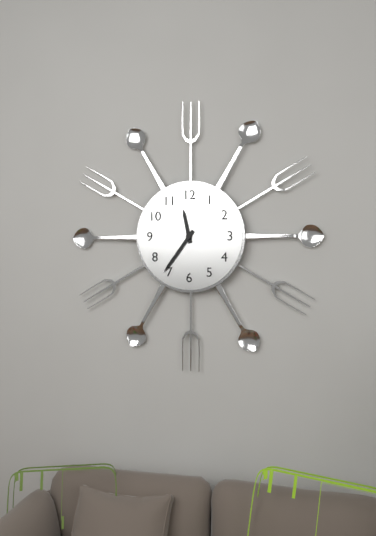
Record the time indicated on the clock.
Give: 11:36
